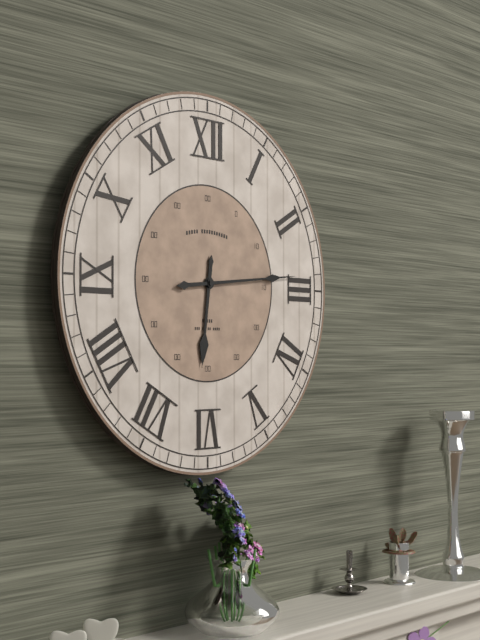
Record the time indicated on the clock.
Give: 6:14
